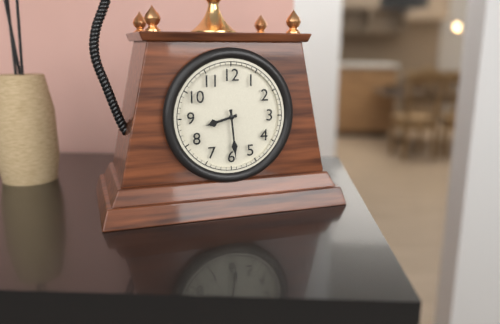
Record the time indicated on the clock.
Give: 8:29
